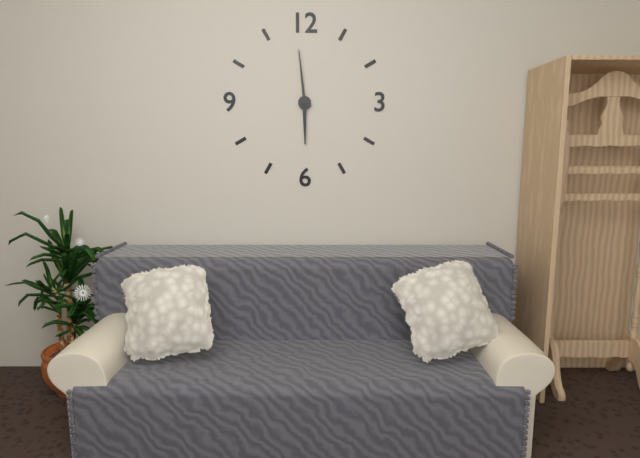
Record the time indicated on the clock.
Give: 5:59
